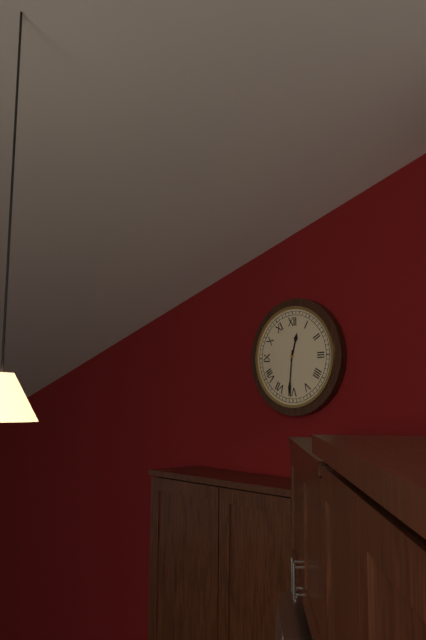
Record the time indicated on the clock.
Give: 12:31
